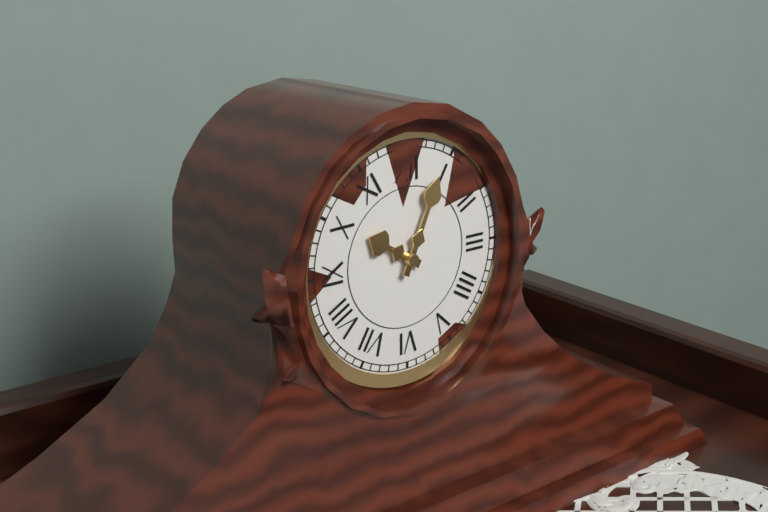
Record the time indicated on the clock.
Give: 10:04
